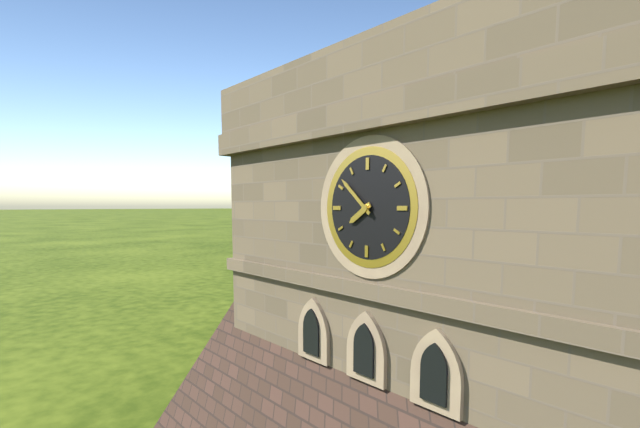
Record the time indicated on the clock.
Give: 7:52
